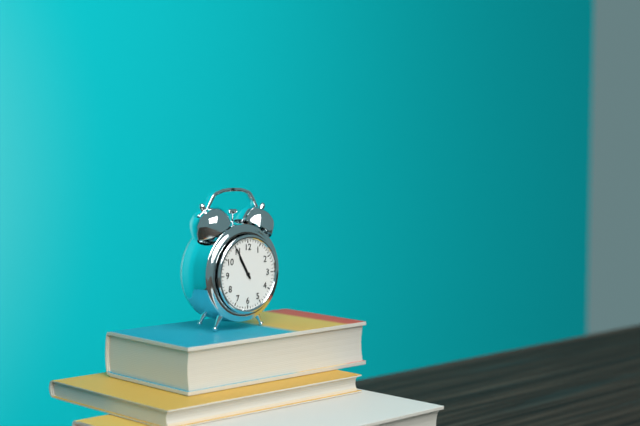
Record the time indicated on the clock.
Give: 10:55
